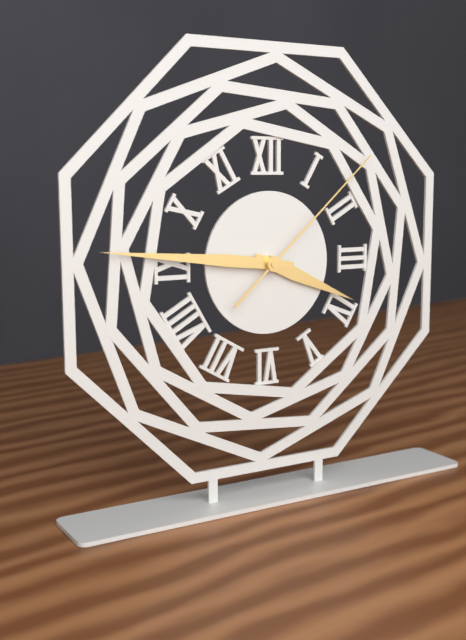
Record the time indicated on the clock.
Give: 3:46:08
